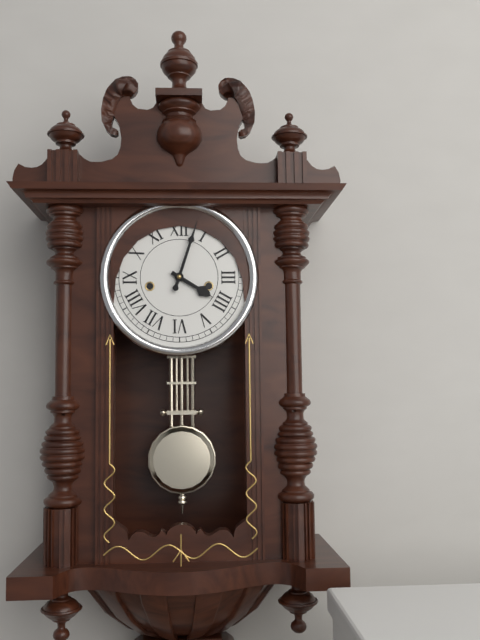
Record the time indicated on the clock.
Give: 4:03
